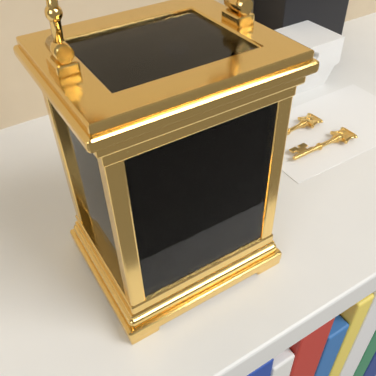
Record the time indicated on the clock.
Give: 11:35
